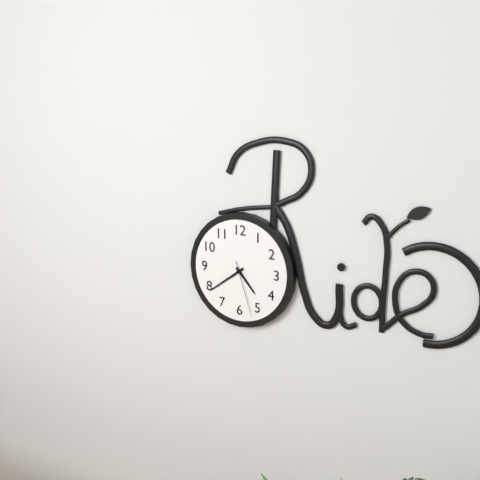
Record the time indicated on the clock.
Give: 4:39:27
